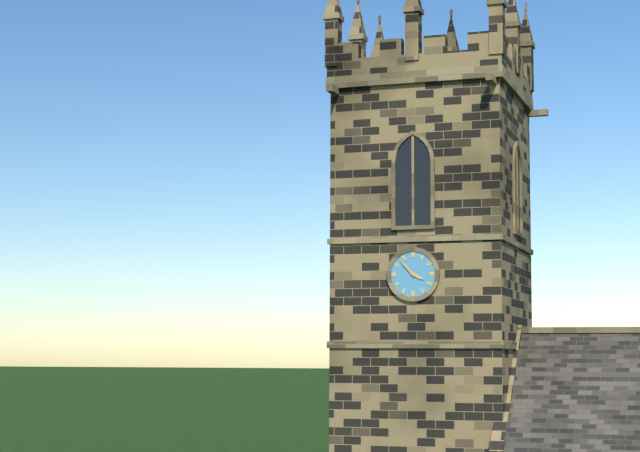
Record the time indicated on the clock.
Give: 3:53
